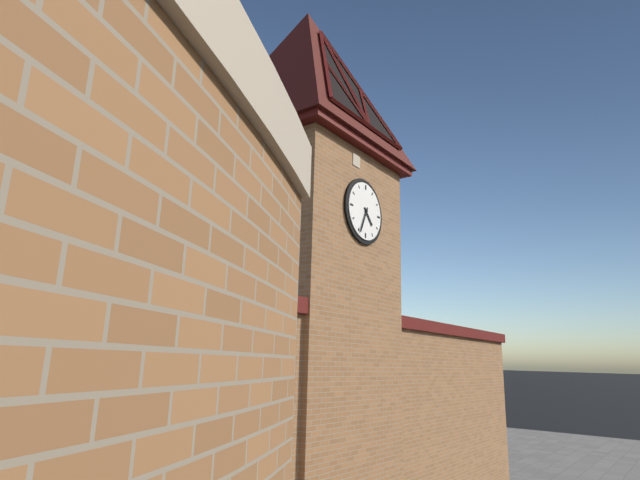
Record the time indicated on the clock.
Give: 4:34
